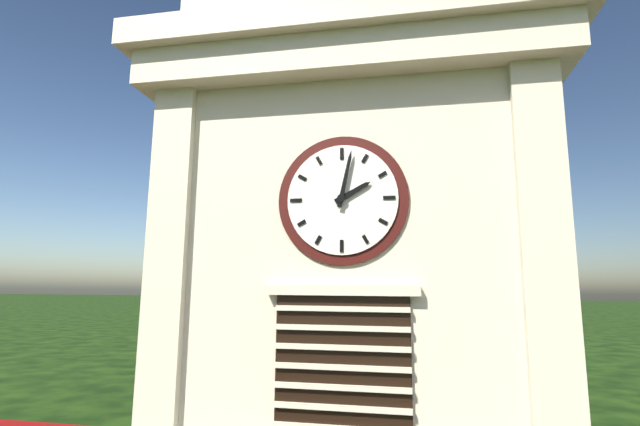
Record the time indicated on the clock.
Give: 2:02
